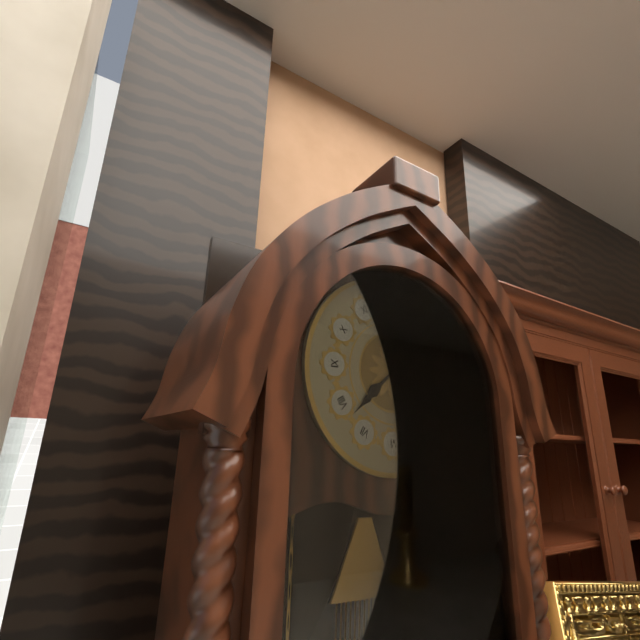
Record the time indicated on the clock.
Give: 7:38
